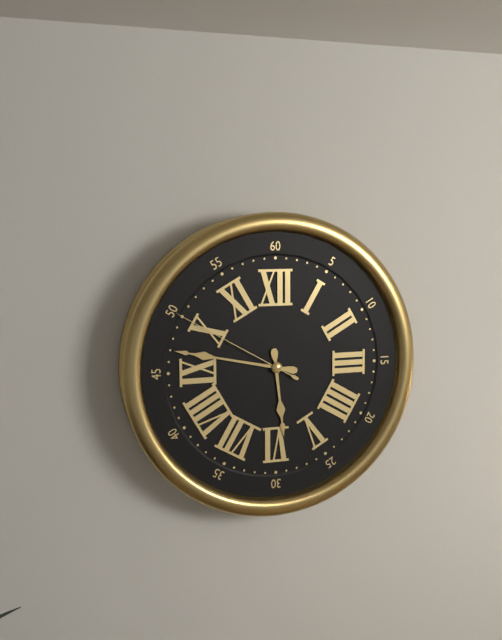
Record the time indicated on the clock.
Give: 5:47:50
